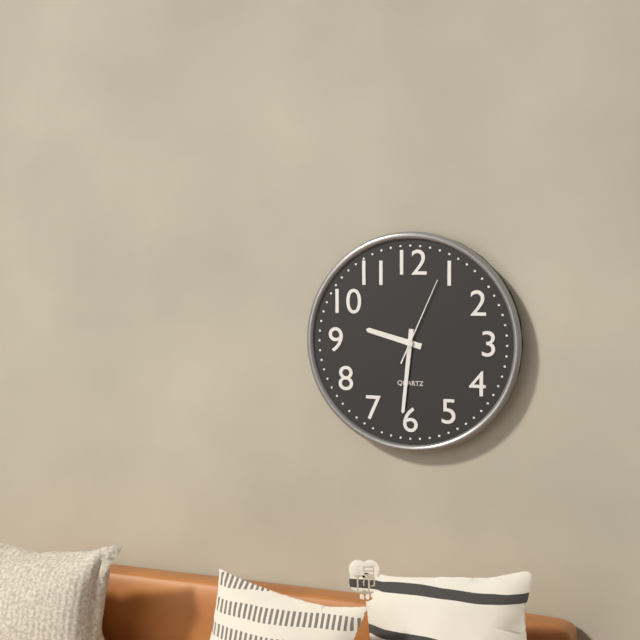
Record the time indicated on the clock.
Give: 9:31:04
